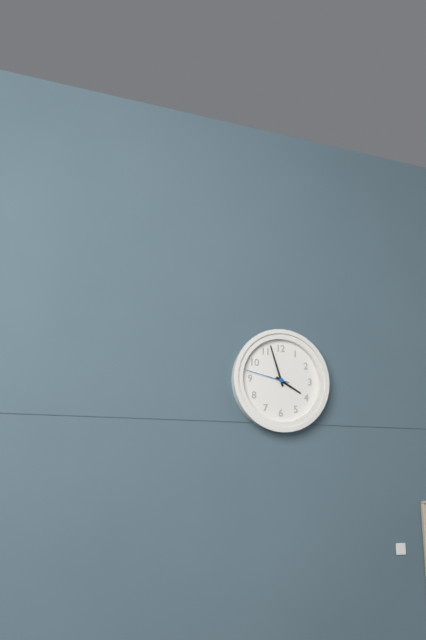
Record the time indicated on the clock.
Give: 3:57
